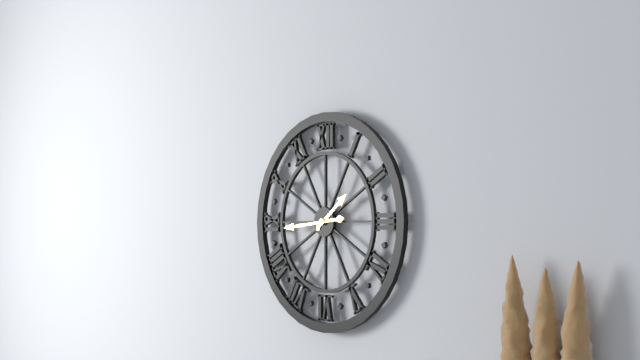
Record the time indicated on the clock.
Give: 1:44
